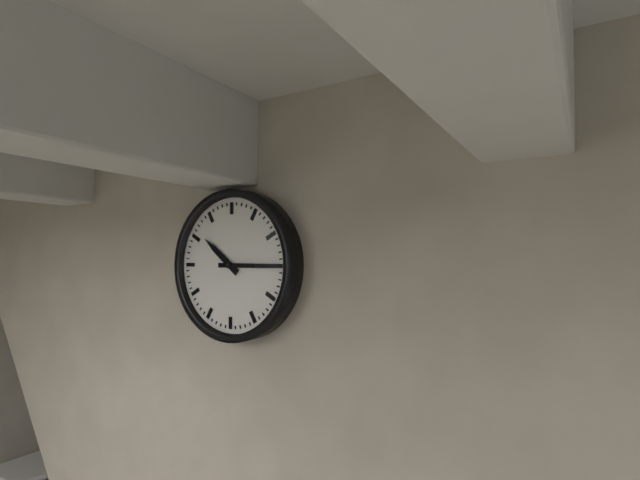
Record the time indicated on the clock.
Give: 10:15
